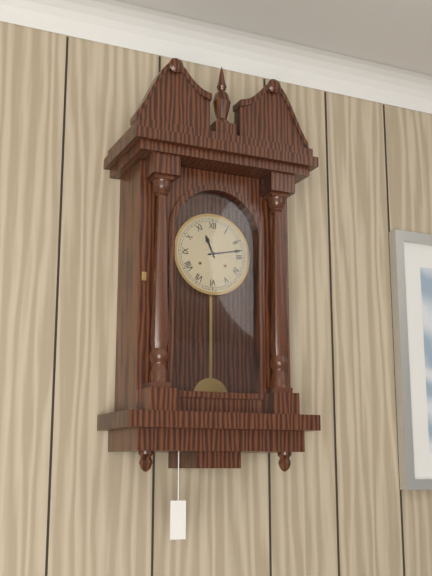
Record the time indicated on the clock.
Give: 11:13
